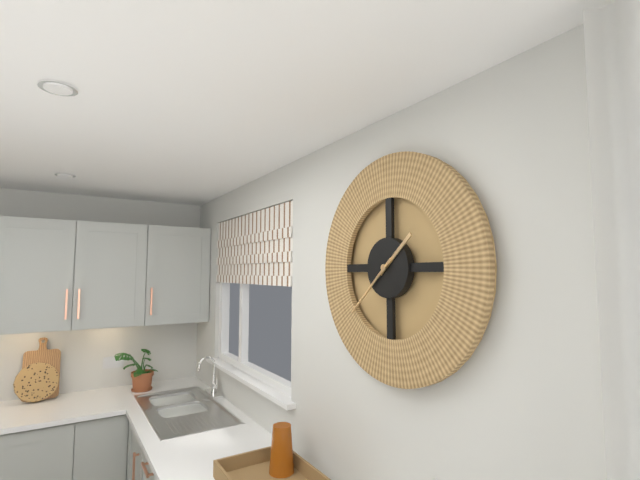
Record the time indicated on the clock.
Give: 1:38
